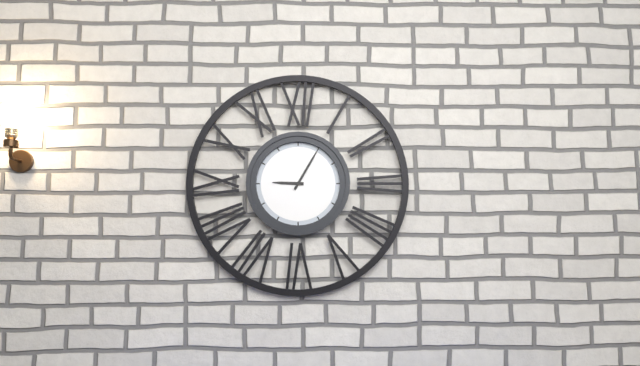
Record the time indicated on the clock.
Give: 9:05
